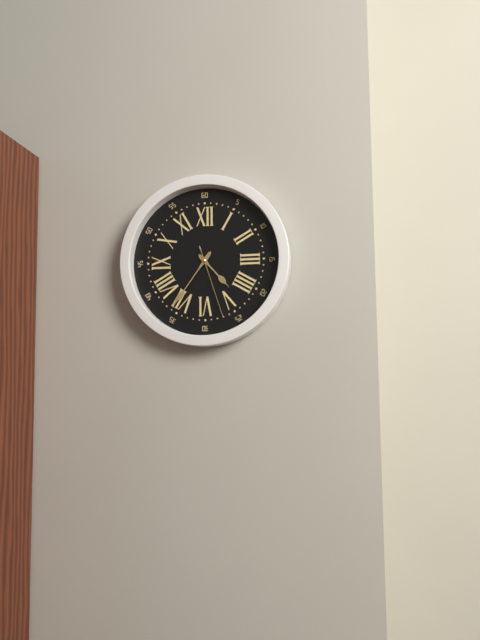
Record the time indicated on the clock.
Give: 4:36:27
